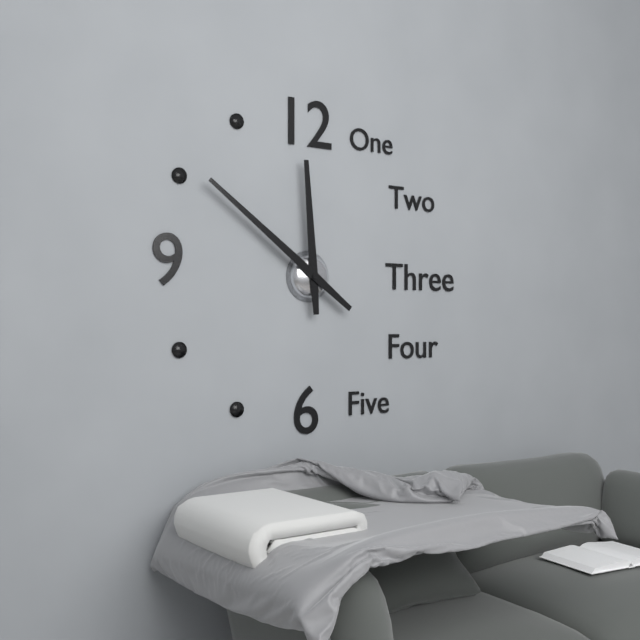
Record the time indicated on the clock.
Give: 11:51
